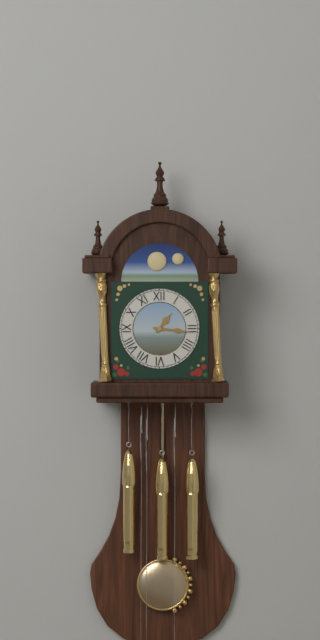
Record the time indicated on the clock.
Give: 1:16
